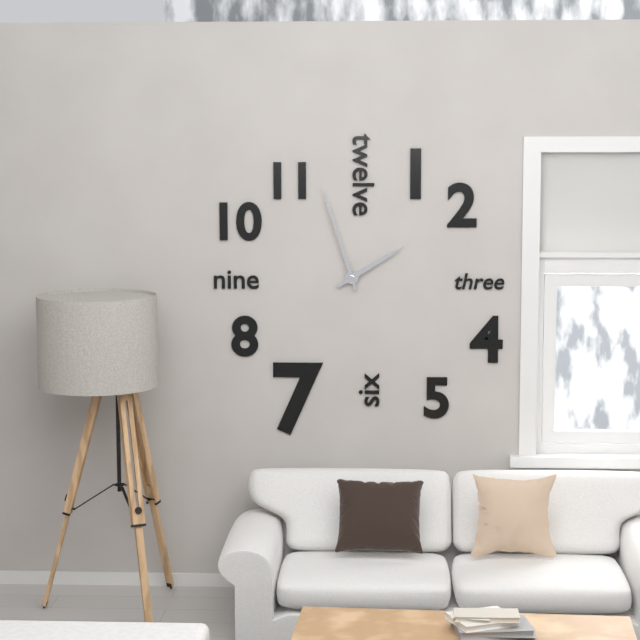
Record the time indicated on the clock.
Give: 1:57
